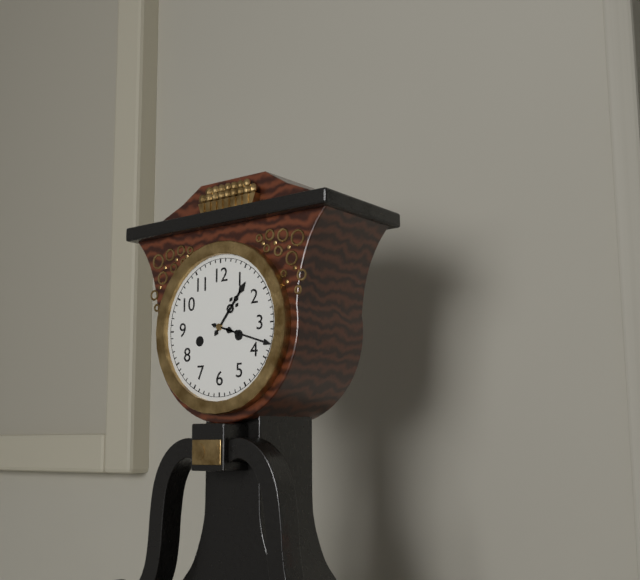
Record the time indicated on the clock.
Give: 1:18
